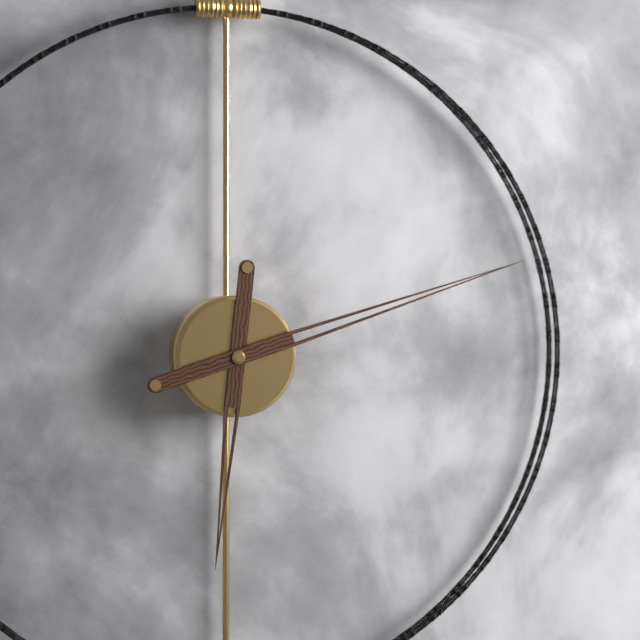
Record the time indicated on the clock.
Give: 6:12
